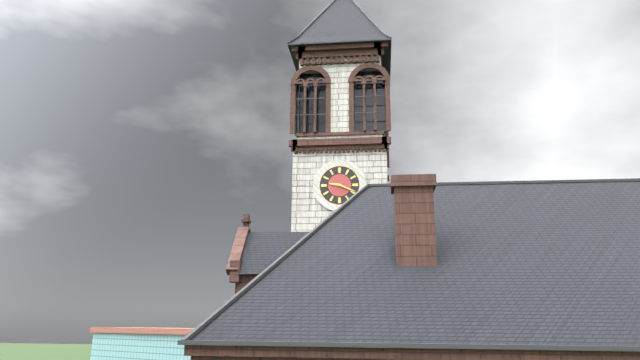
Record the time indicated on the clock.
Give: 9:19
